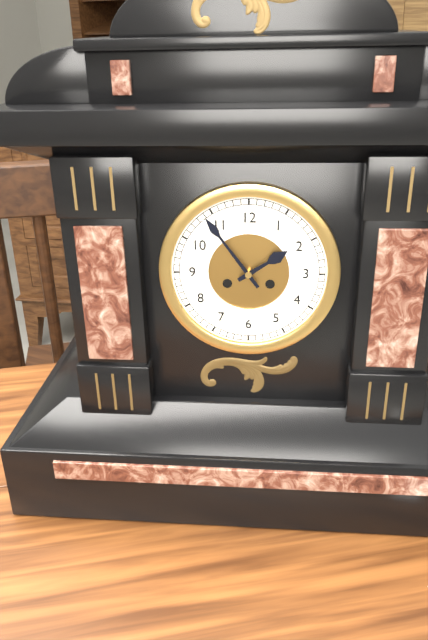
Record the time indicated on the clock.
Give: 1:54
